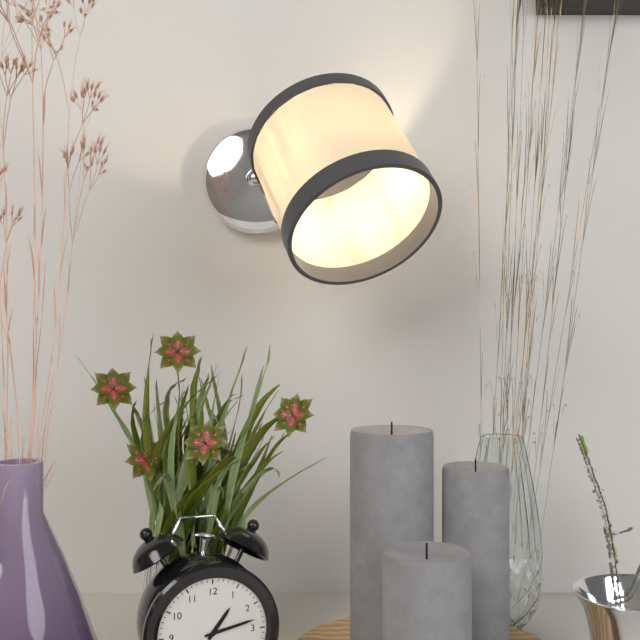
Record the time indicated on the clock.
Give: 1:13
